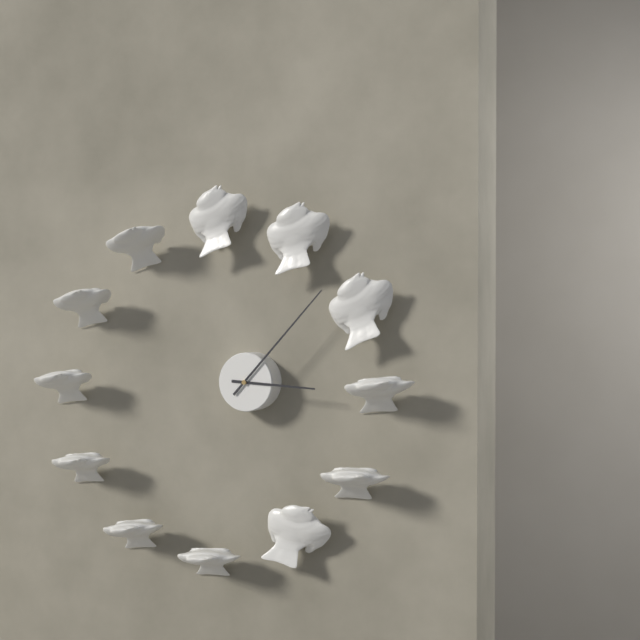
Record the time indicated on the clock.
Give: 3:07
